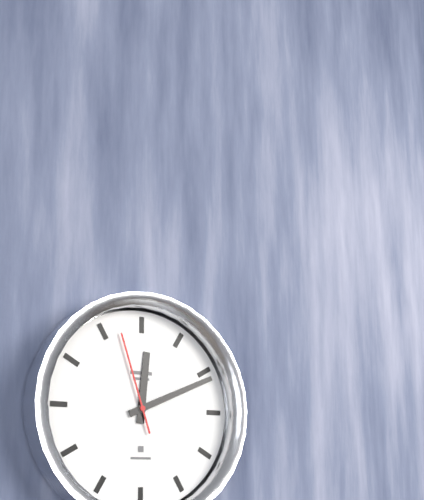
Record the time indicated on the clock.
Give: 12:11:57
